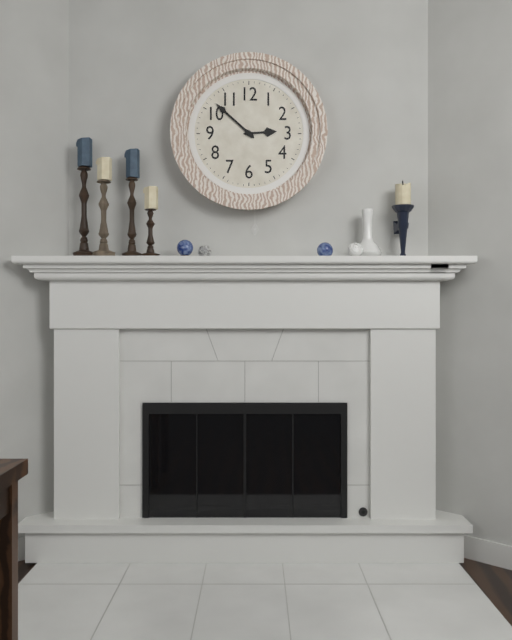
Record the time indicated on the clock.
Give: 2:52
